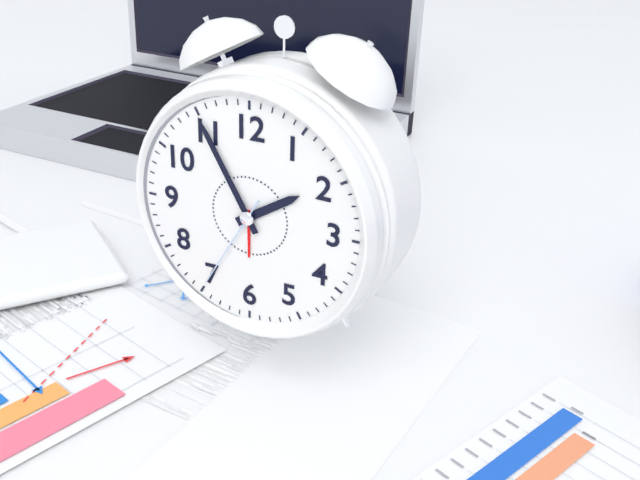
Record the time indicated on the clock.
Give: 1:55:35
